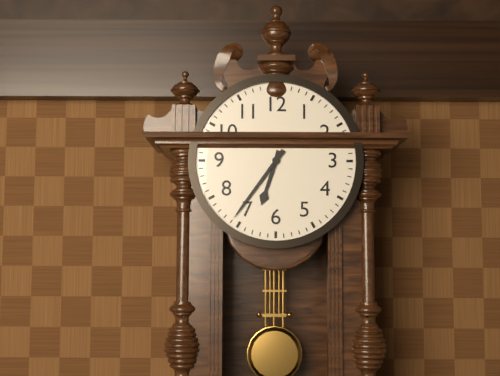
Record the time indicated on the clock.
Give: 6:36
